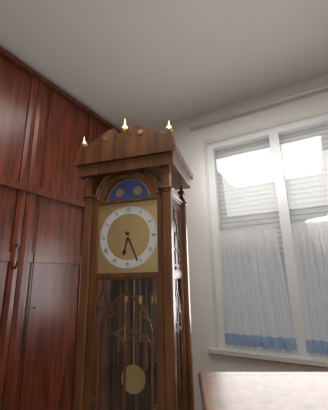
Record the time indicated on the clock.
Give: 6:26
